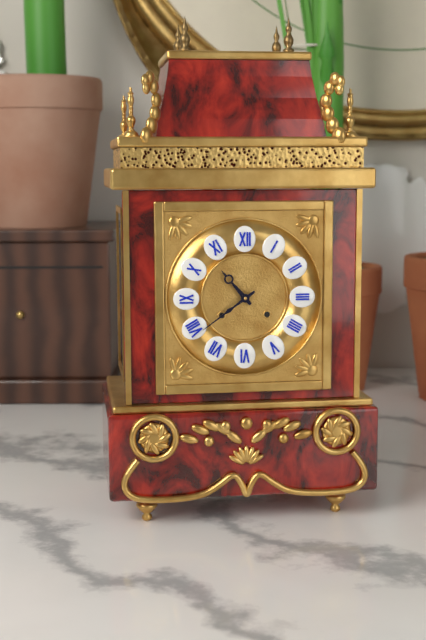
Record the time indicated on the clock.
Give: 10:39
